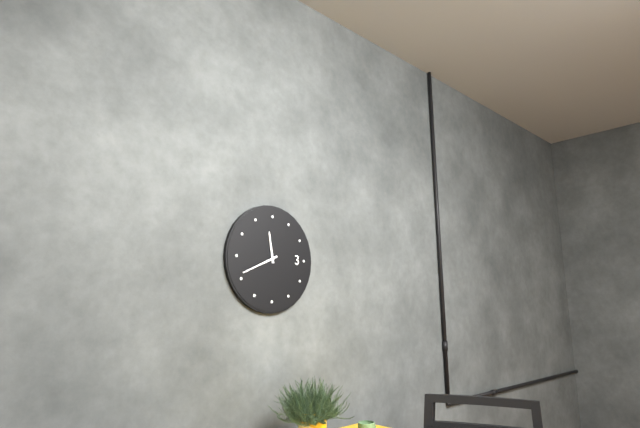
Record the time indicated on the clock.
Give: 11:41
